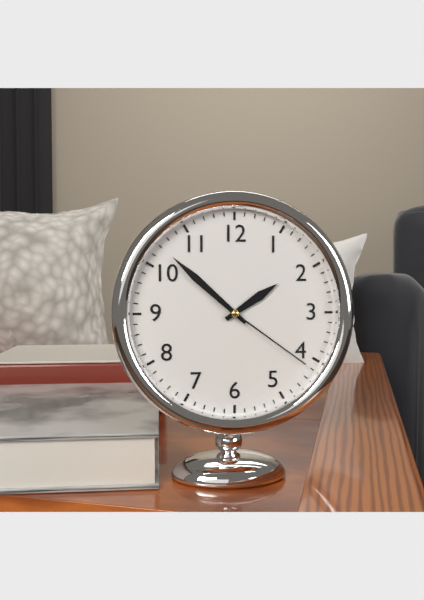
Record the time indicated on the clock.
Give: 1:52:21
